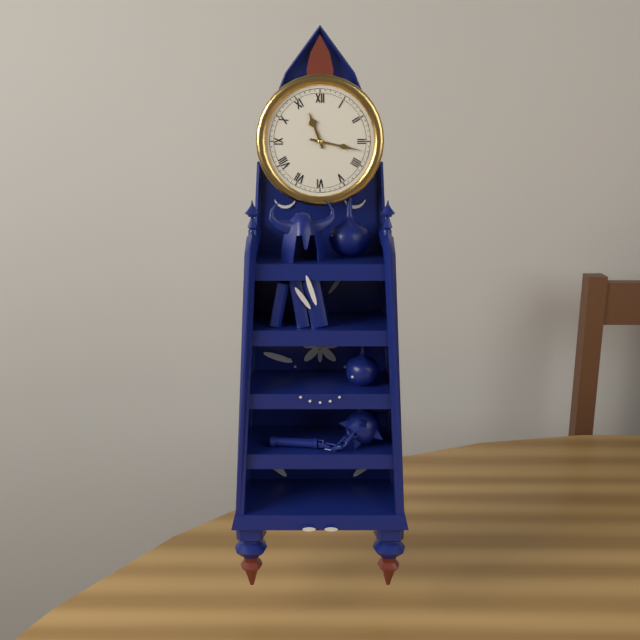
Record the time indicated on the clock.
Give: 11:17
